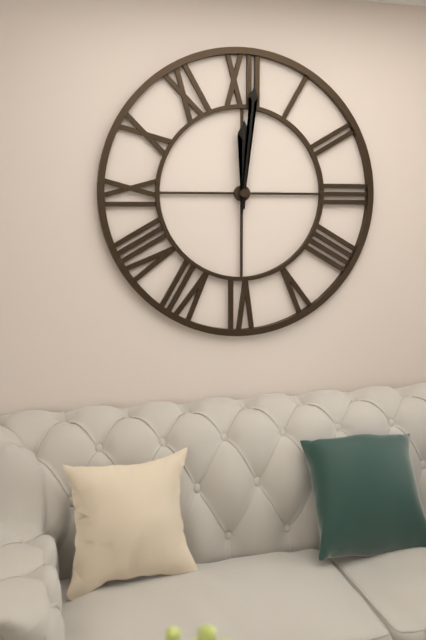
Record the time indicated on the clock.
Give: 12:01
